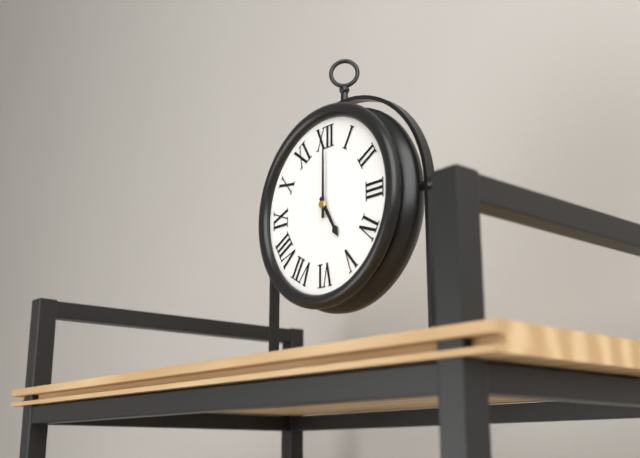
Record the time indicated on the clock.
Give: 5:00
